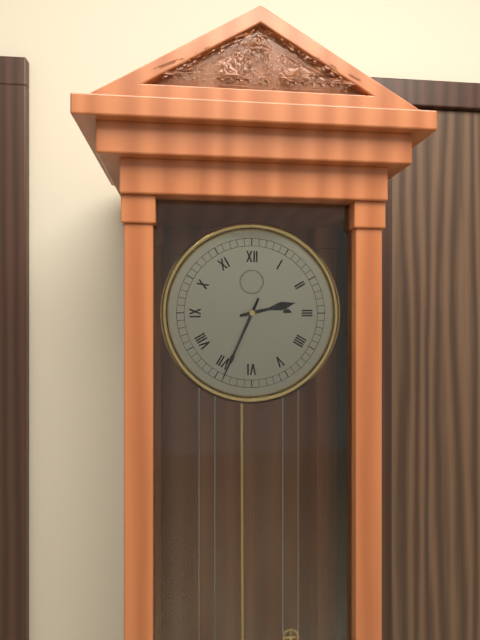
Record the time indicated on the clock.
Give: 2:34
